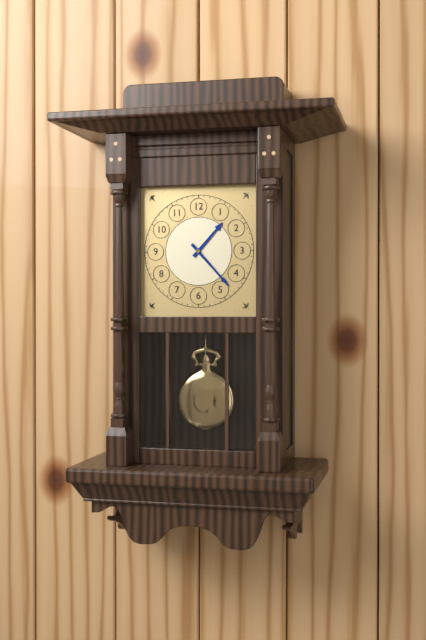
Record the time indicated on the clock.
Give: 1:23
